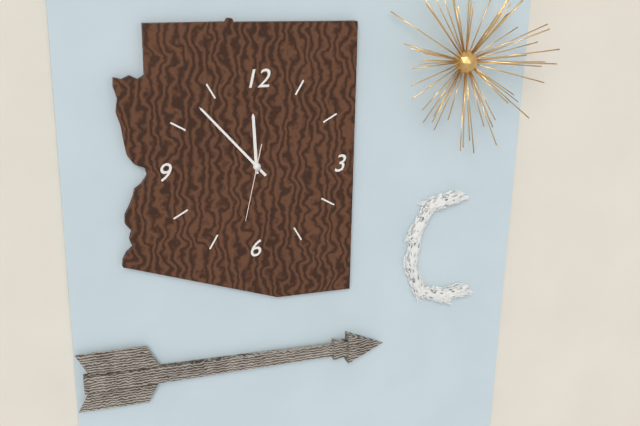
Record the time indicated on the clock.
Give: 11:53:32
